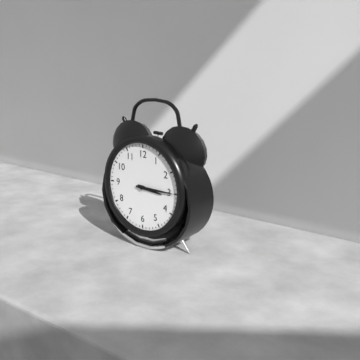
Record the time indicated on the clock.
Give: 3:15
